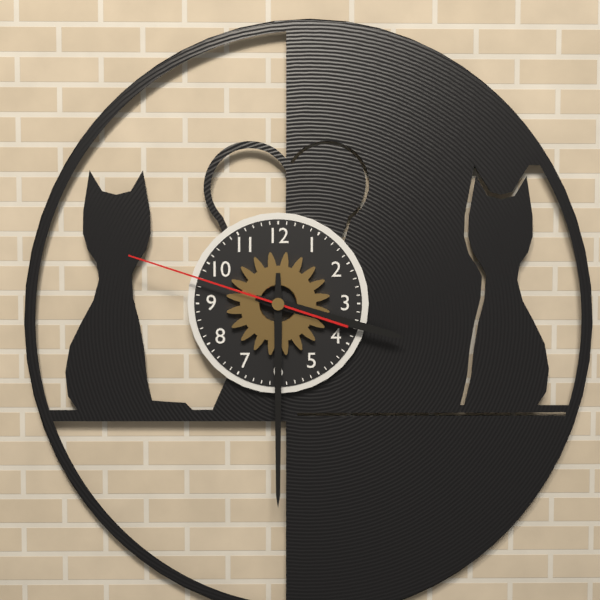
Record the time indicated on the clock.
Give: 3:30:48
